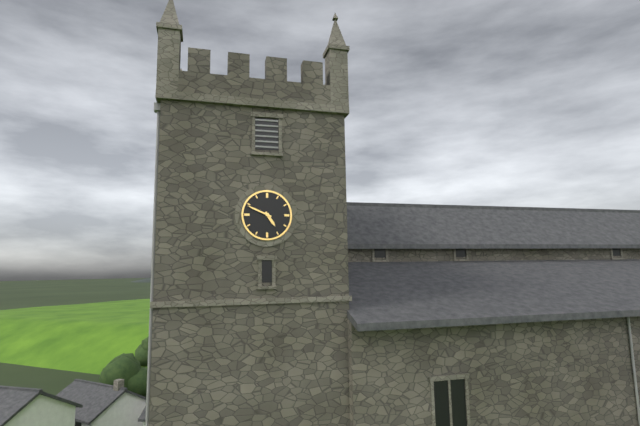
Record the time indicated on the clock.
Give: 4:49
